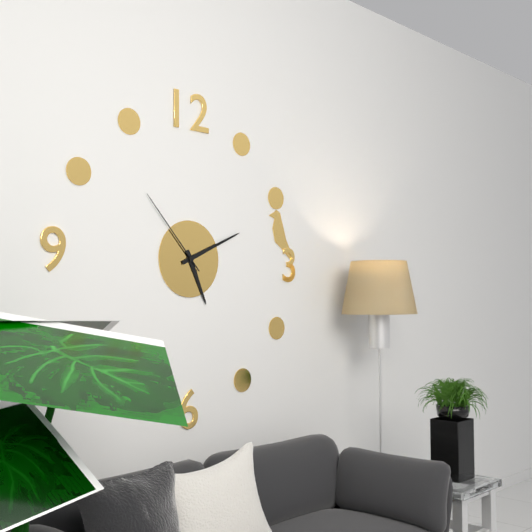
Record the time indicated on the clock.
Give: 5:11:53
